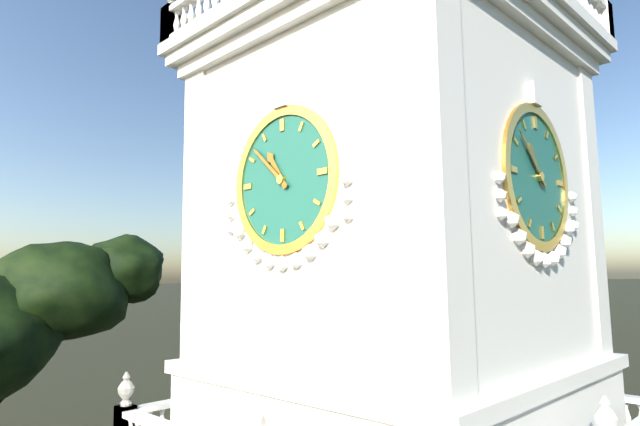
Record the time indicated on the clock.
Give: 10:52
